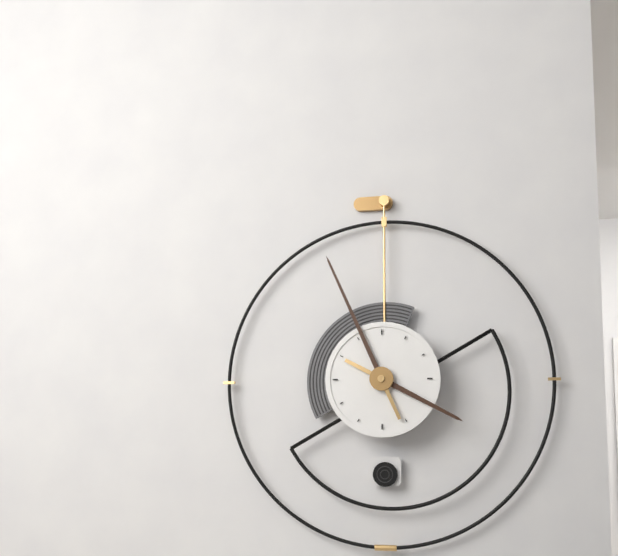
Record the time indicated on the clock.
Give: 3:56
